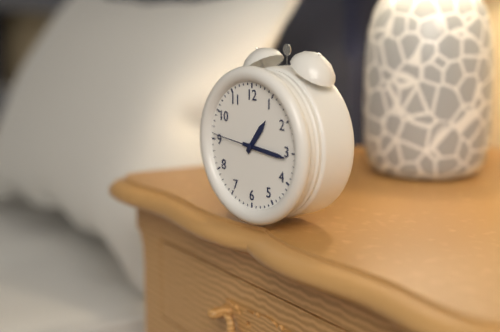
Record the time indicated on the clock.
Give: 1:16
